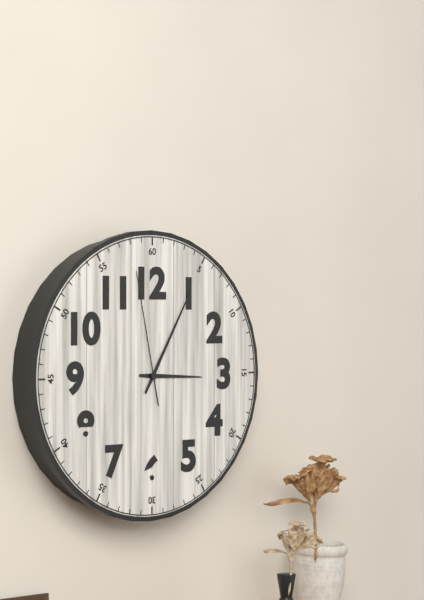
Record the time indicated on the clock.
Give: 3:05:58
